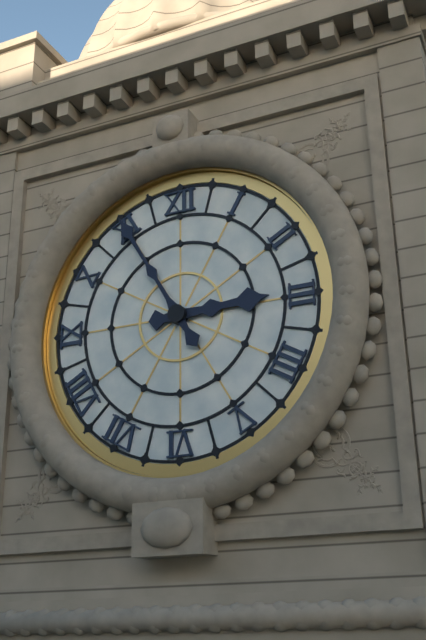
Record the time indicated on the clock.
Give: 2:55
